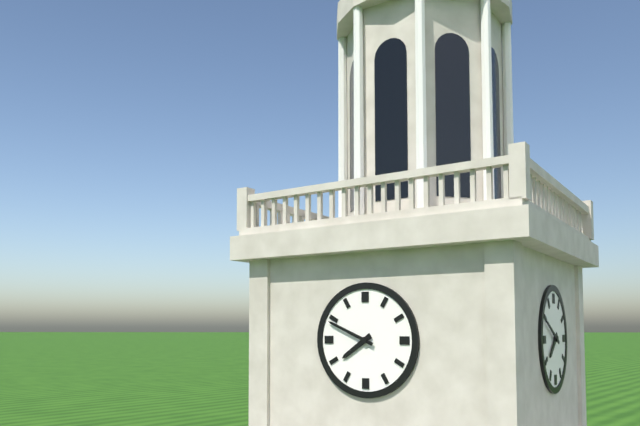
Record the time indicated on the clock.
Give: 7:49
